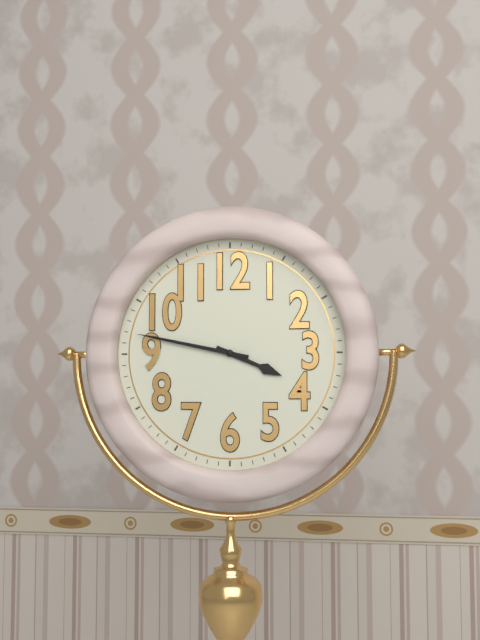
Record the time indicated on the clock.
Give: 3:47
